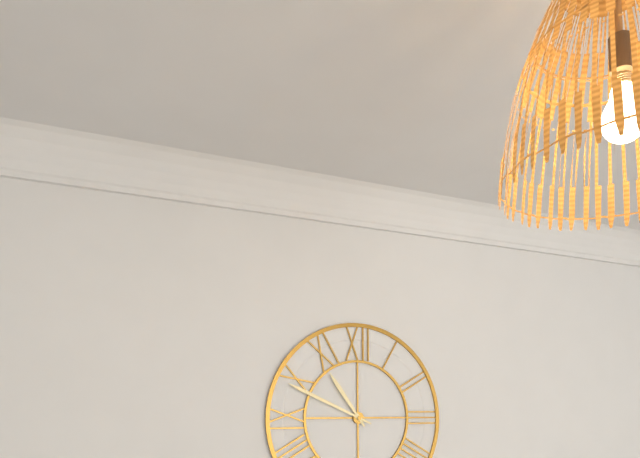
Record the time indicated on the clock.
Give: 10:49
